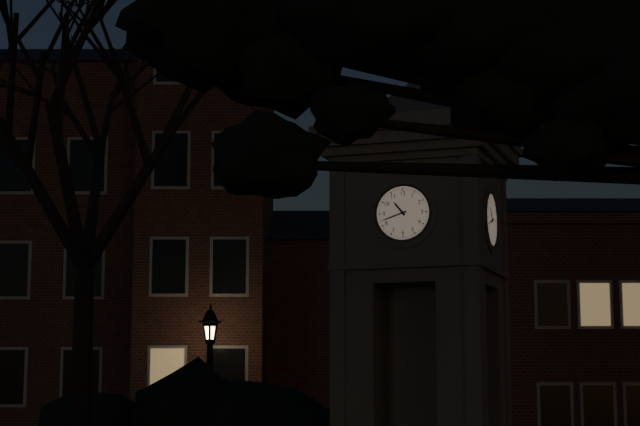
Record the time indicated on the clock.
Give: 10:42
